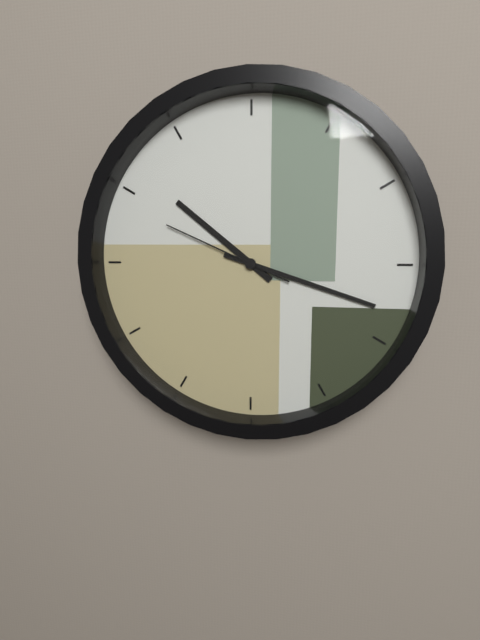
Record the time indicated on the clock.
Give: 10:18:49
